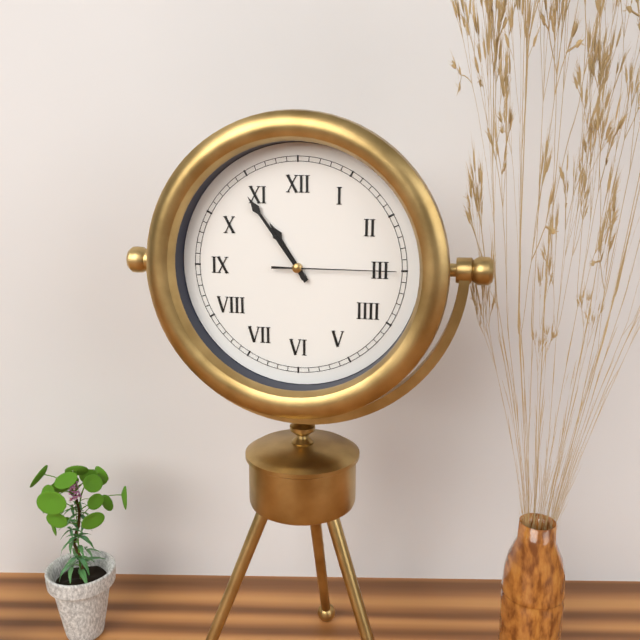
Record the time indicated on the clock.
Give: 10:54:15
